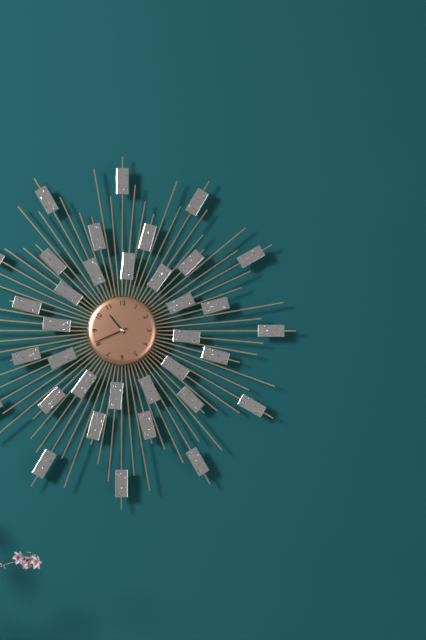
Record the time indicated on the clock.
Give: 10:41
